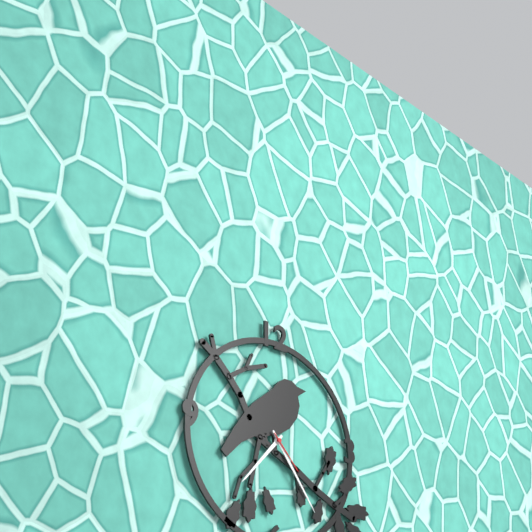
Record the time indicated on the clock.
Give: 7:24
